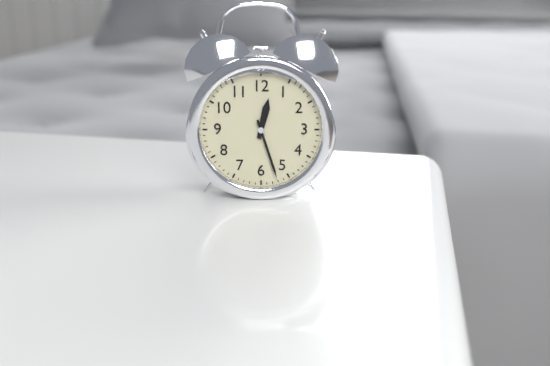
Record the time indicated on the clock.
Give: 12:27
